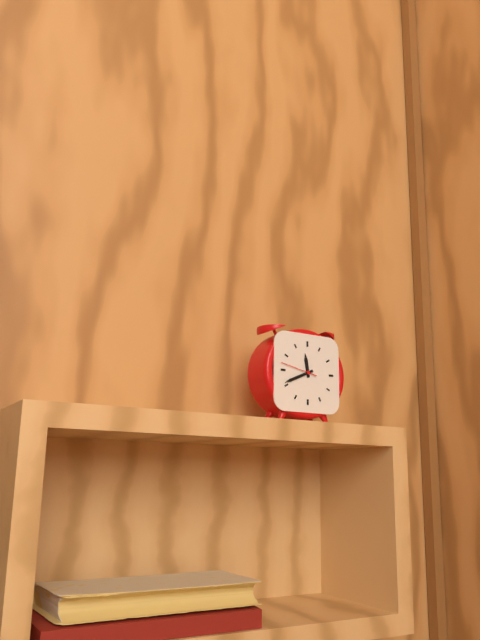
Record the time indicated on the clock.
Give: 11:41
